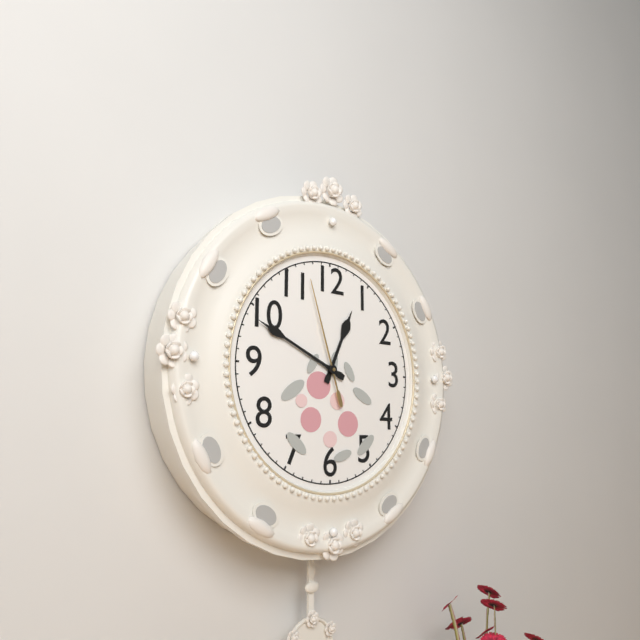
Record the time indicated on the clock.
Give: 12:49:57
